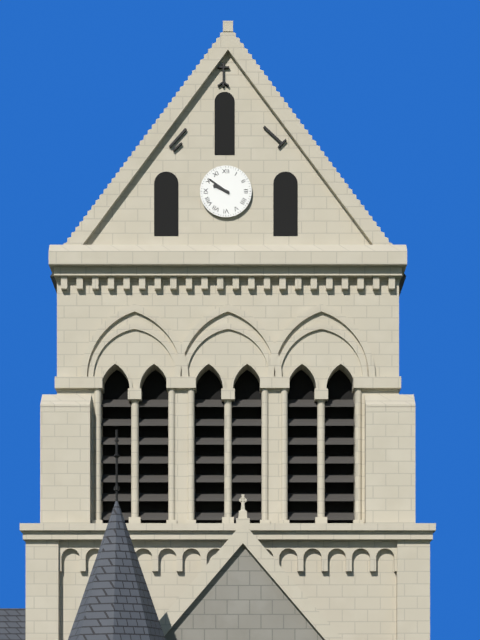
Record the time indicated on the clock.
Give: 9:51
